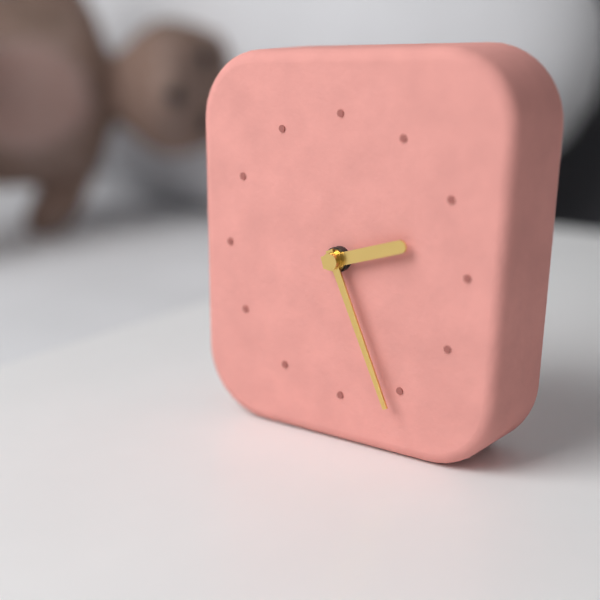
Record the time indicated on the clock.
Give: 2:26
